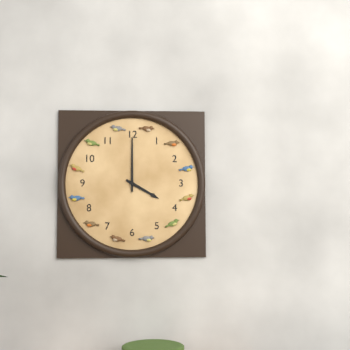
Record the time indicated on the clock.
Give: 4:00
